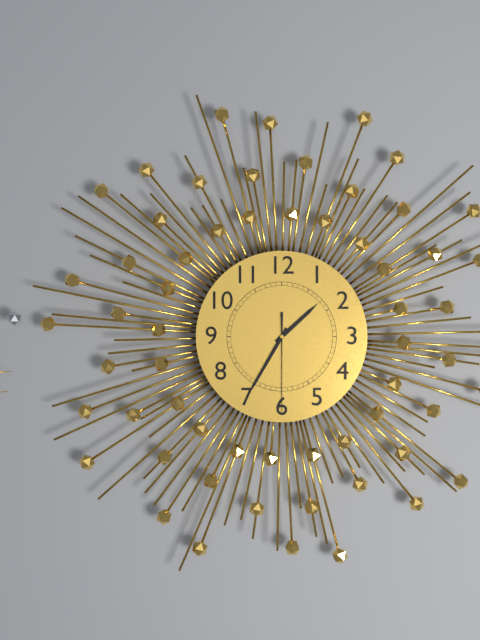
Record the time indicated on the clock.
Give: 1:35:30
